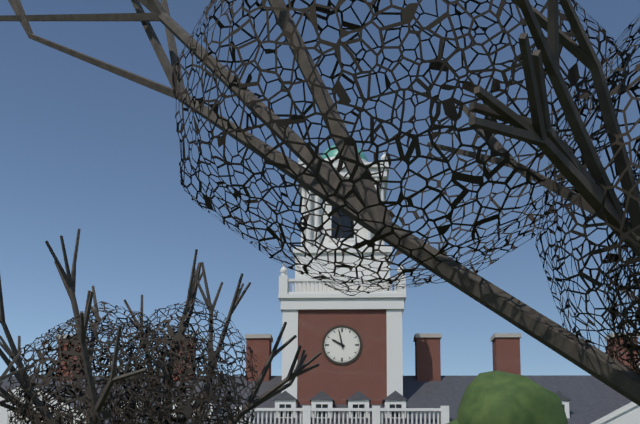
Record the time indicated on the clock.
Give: 9:58
